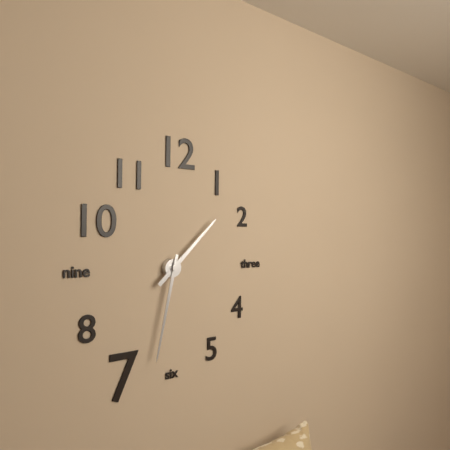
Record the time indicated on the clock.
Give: 1:32
